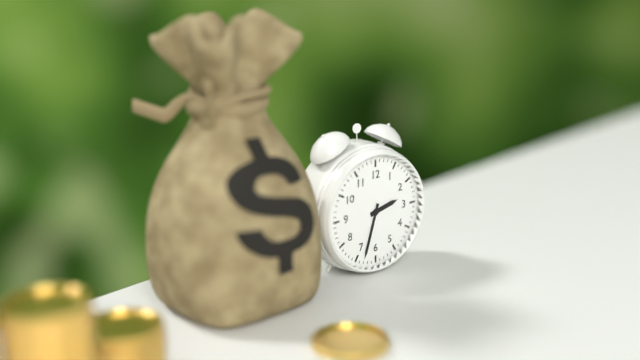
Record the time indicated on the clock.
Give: 2:33
